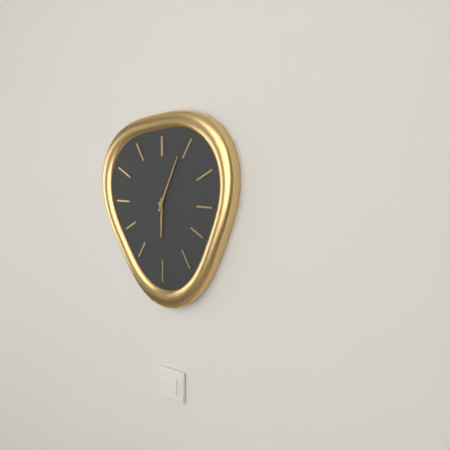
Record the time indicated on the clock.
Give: 6:04
